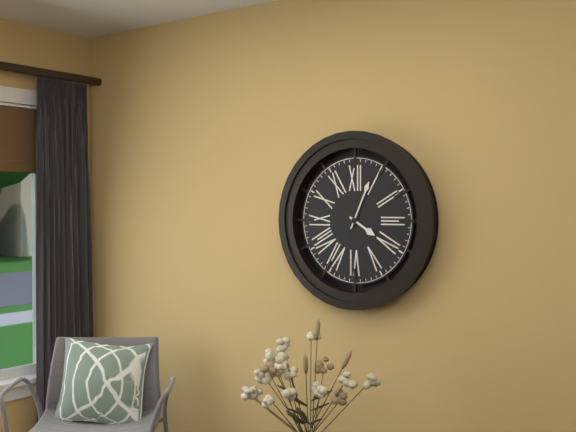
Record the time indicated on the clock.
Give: 4:04
